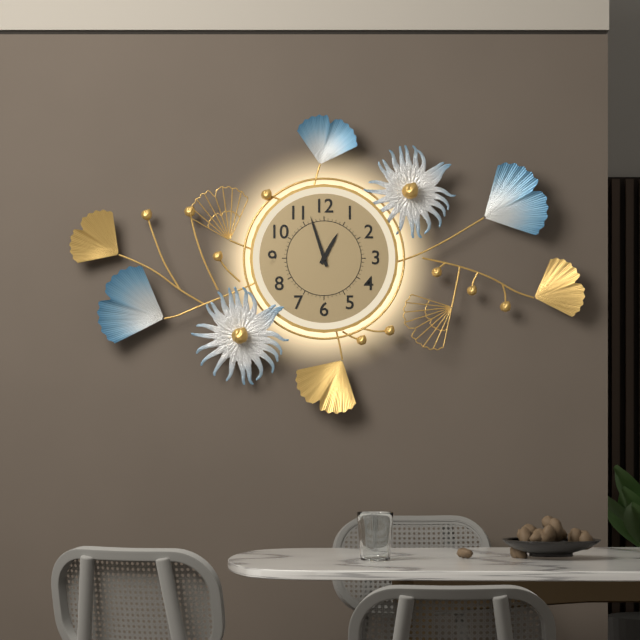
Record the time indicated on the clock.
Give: 12:57
